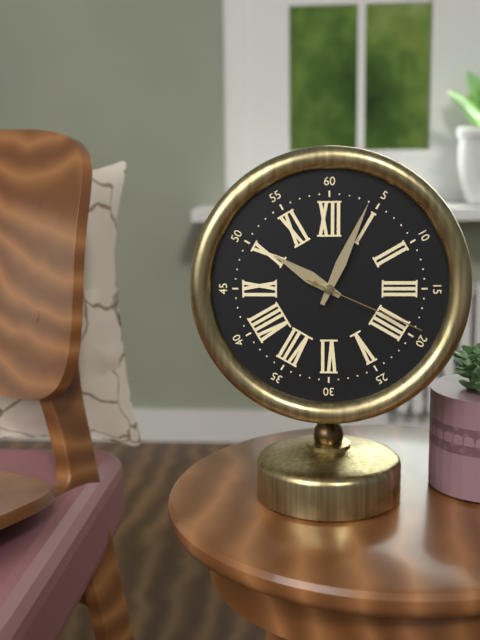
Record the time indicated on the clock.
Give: 10:04:19
